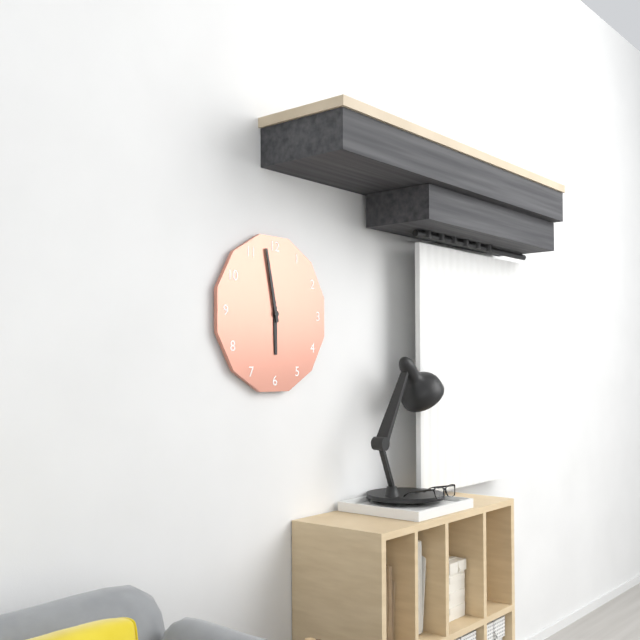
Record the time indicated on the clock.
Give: 5:58
